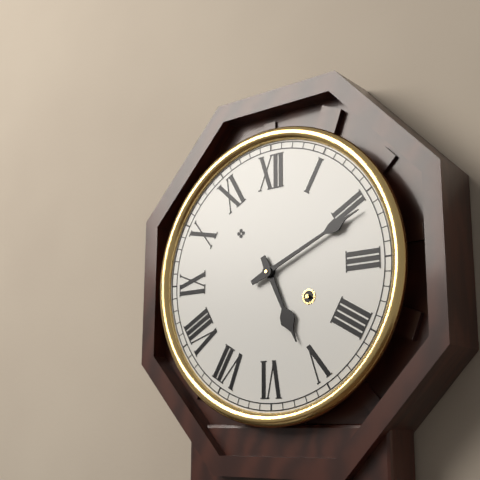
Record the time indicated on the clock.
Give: 5:11
